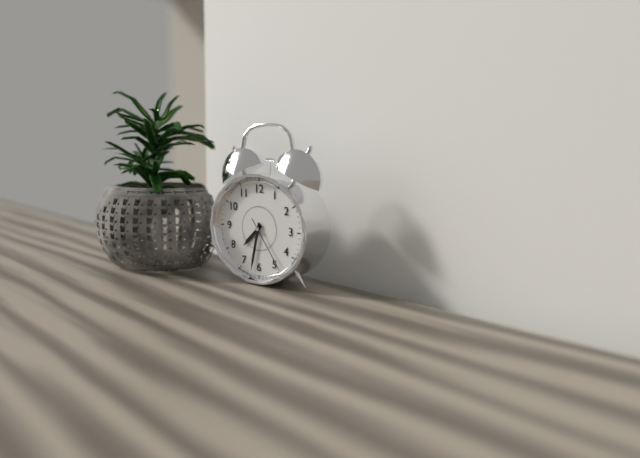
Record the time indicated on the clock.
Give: 7:32:24
